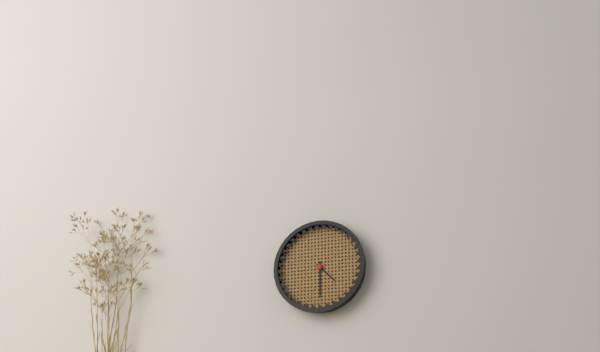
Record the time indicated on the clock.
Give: 4:30
